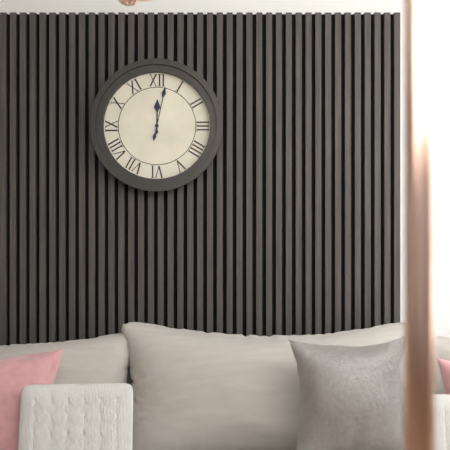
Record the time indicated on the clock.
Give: 12:02
